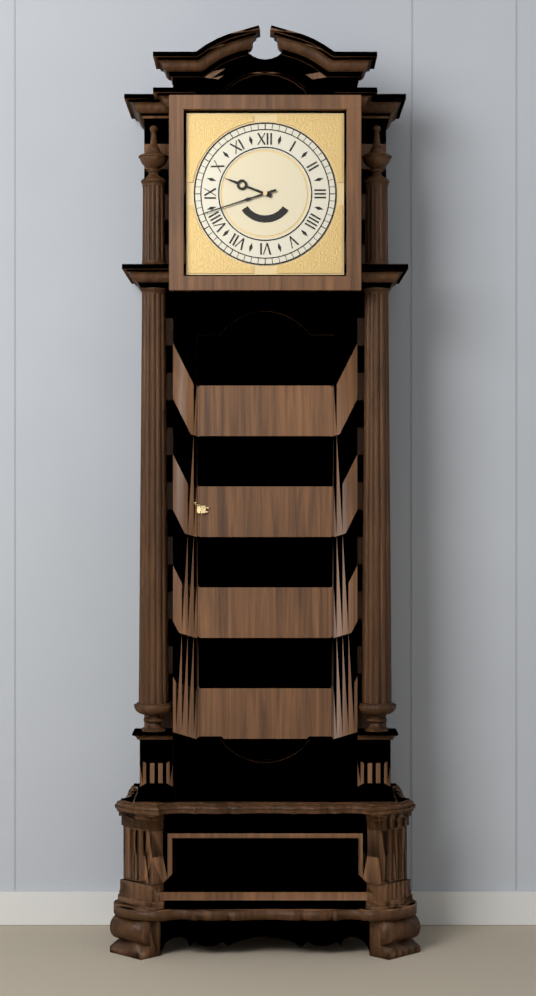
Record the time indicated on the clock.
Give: 9:42
